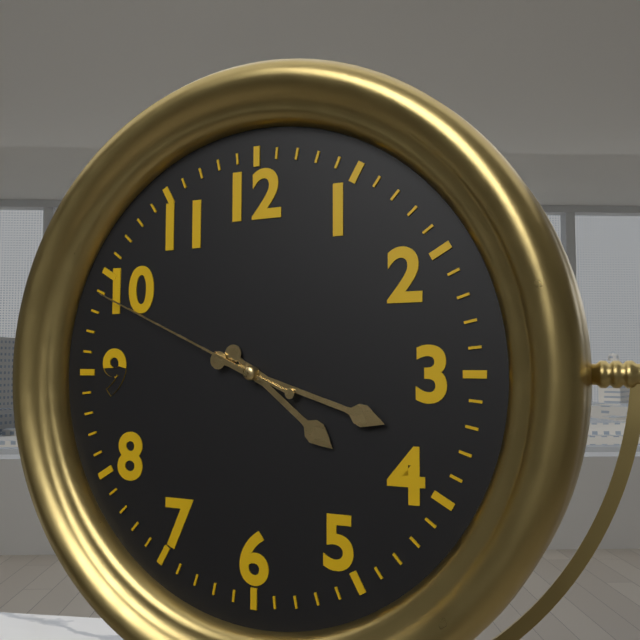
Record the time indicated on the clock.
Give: 4:18:49
